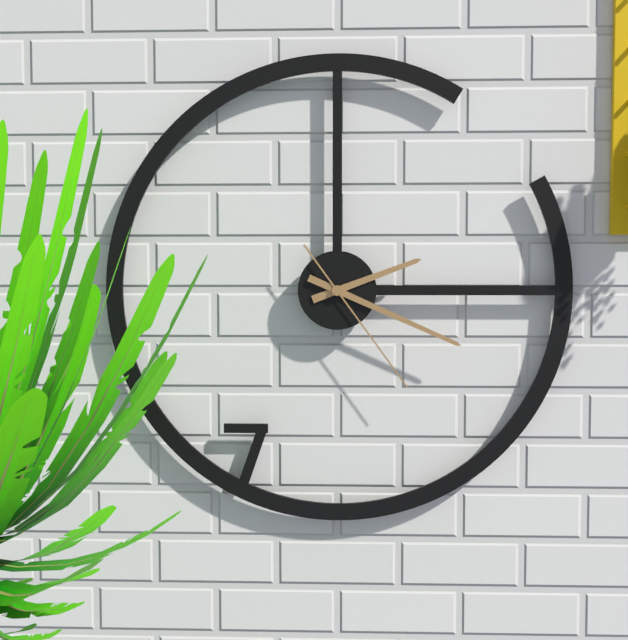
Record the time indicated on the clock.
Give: 2:19:24
